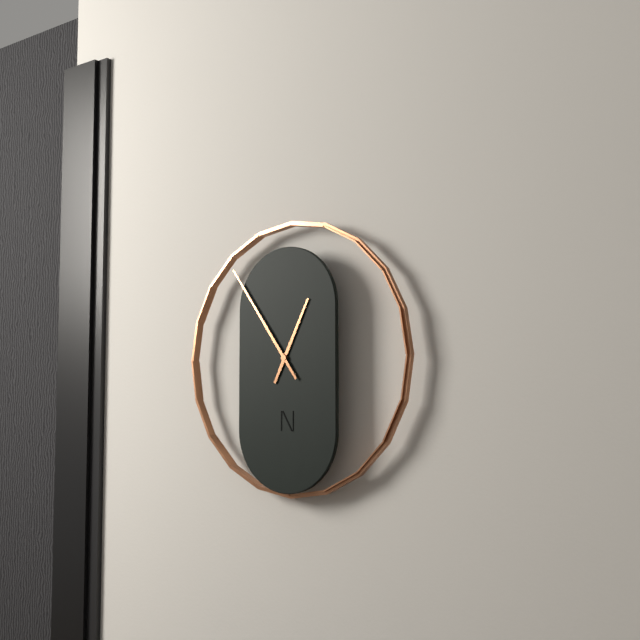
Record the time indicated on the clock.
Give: 12:54
